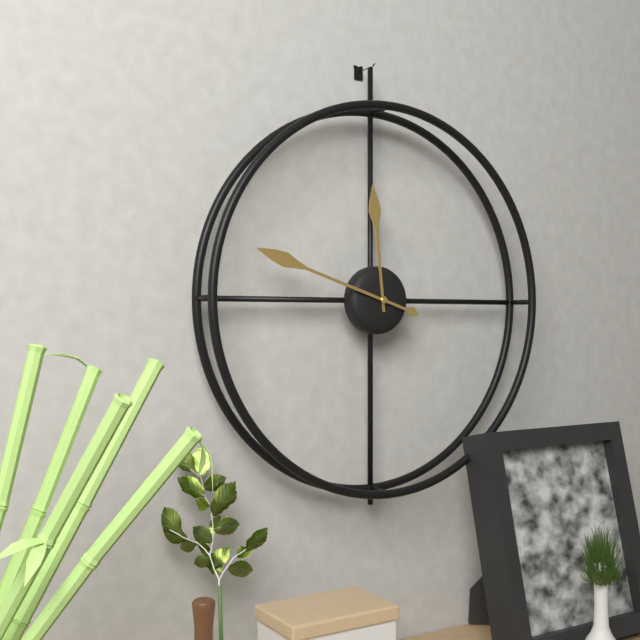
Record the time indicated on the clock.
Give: 11:48
